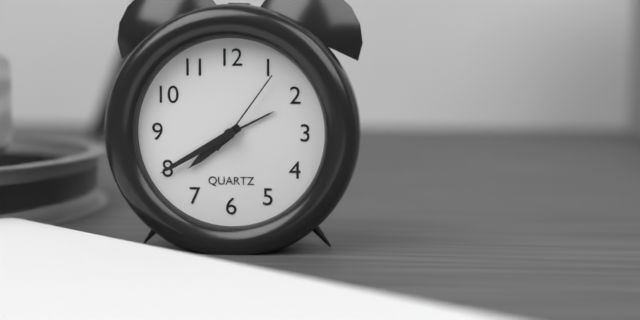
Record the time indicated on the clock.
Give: 7:40:06
